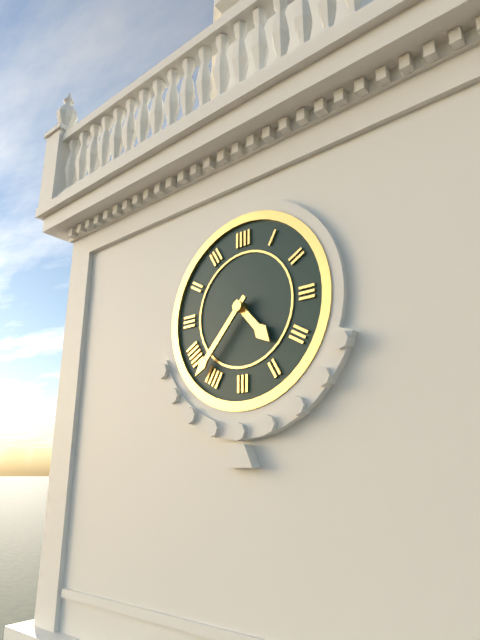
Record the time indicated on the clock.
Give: 4:37
